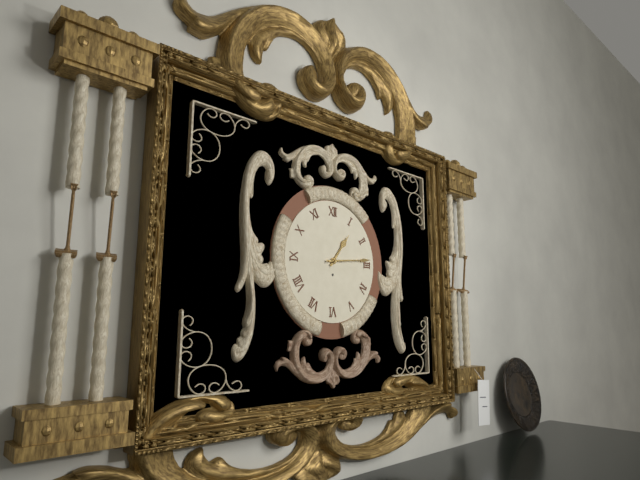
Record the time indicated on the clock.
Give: 1:14
